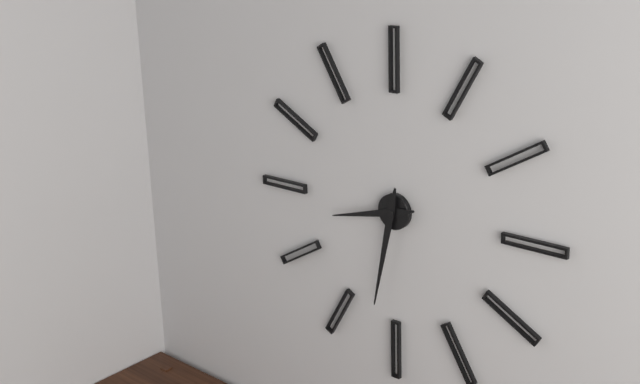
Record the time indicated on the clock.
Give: 8:32
